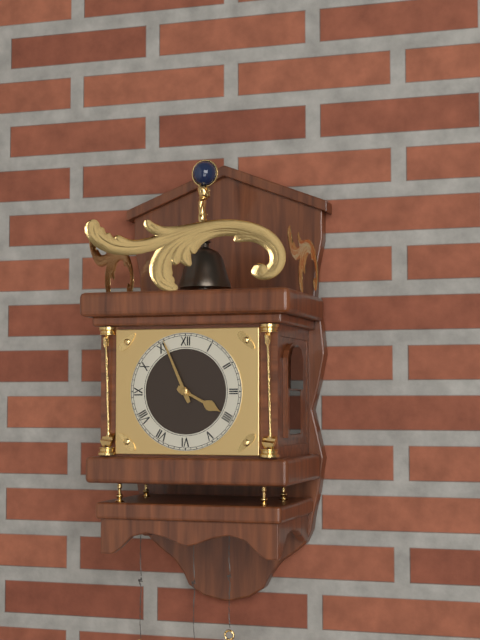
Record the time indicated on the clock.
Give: 3:56
